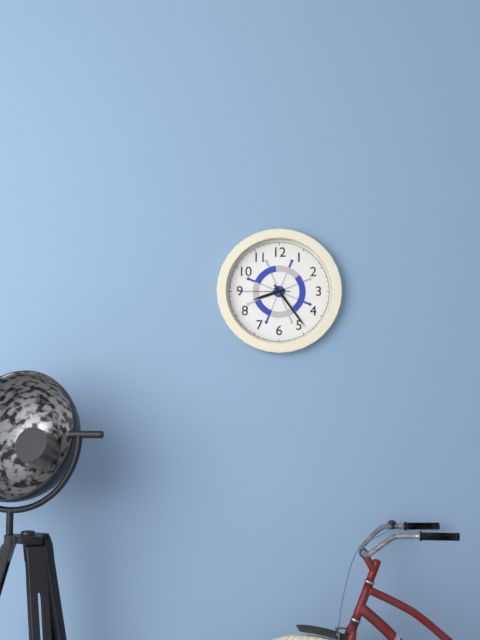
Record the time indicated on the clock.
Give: 8:24:45
